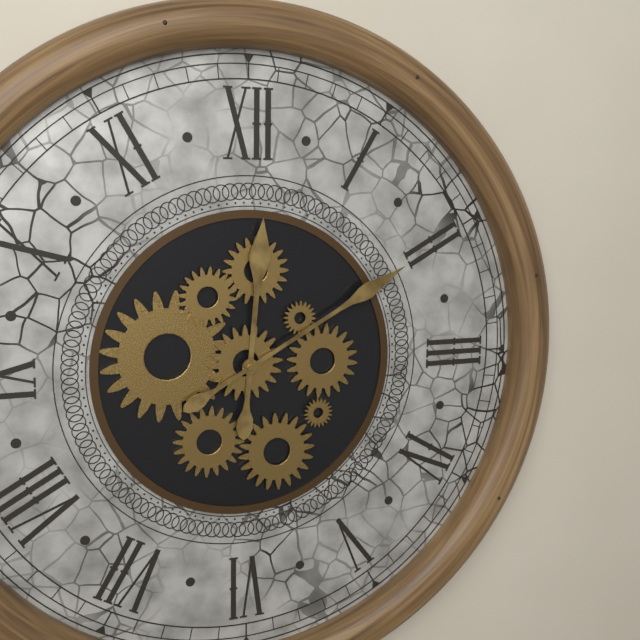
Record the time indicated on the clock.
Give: 12:10
